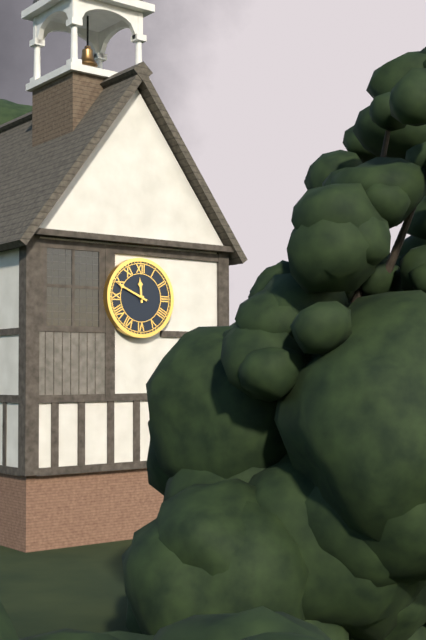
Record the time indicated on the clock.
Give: 11:49
